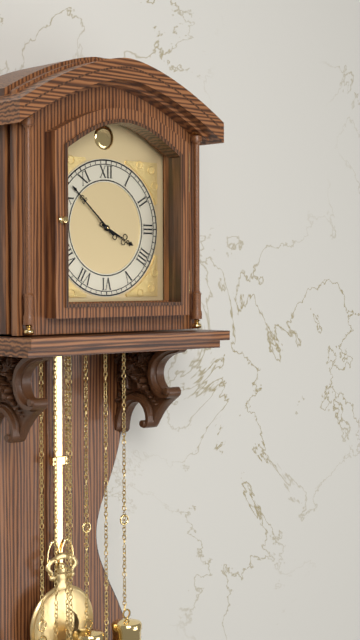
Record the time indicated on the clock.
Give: 3:52
